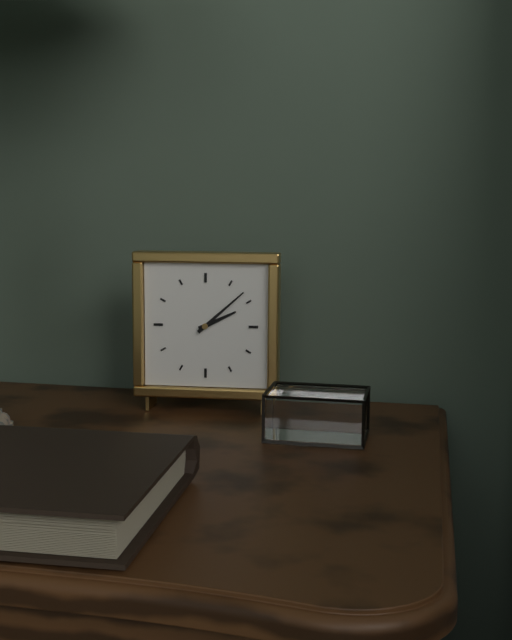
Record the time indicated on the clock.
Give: 2:08
